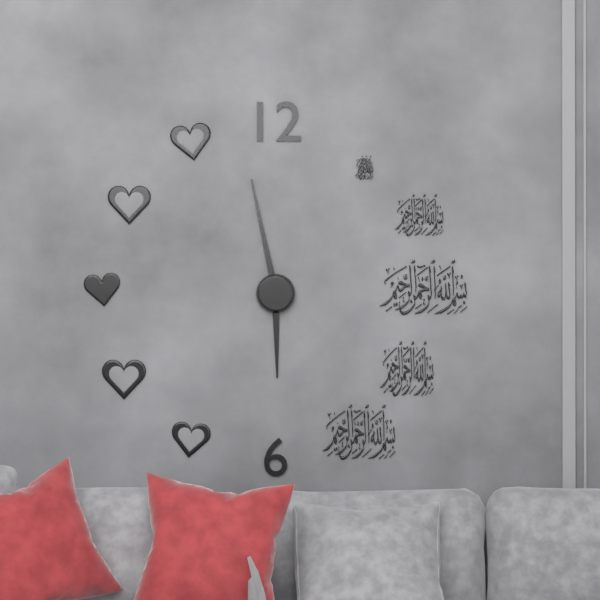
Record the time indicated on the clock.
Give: 5:58
